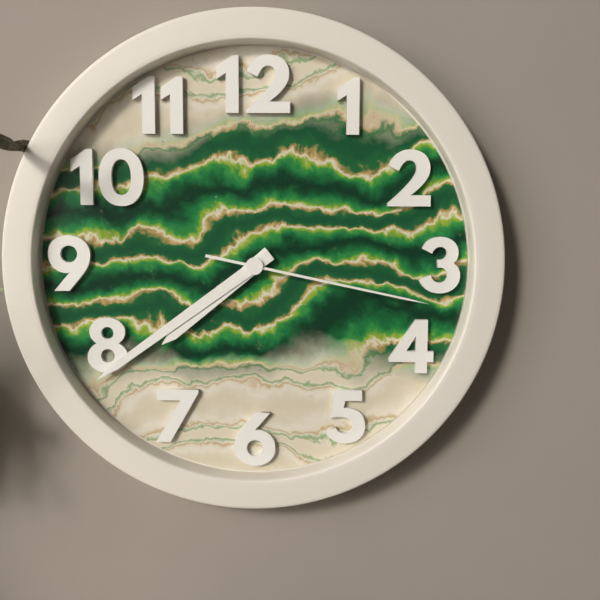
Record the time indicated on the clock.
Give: 7:39:17
